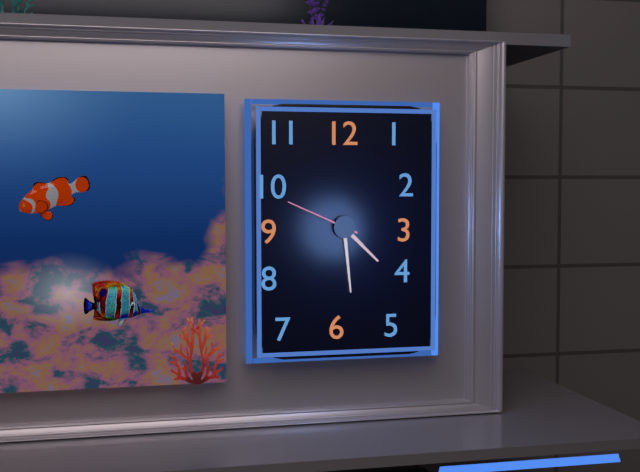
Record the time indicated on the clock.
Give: 4:29:49
